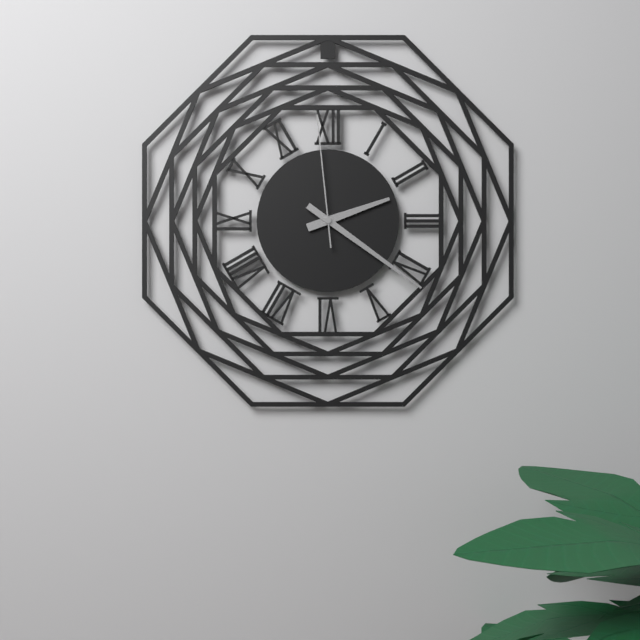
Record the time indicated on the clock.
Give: 2:21:59
